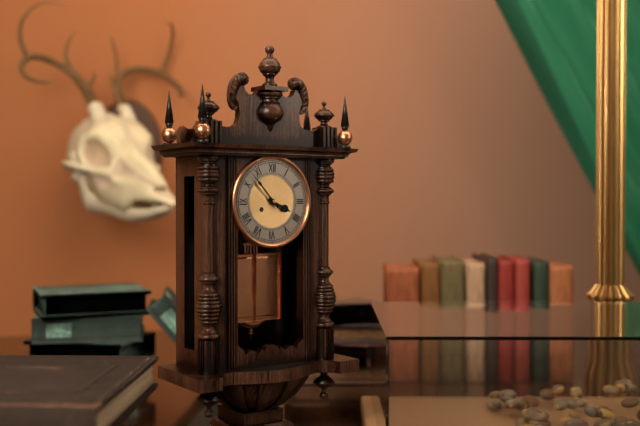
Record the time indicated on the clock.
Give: 3:53
